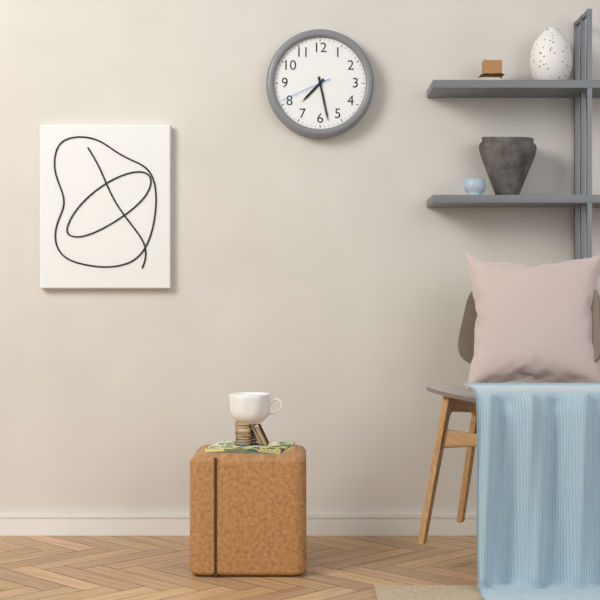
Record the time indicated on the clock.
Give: 7:28:41
